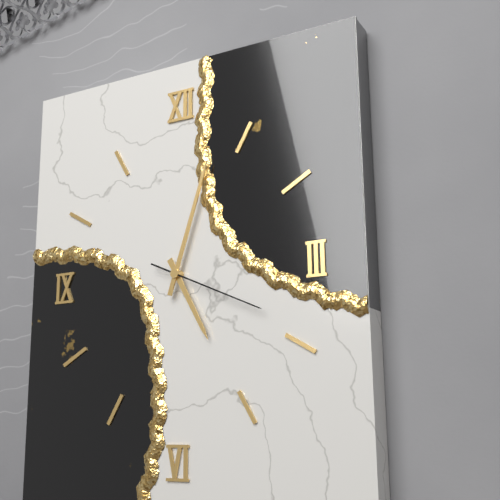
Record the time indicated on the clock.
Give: 5:03:19
